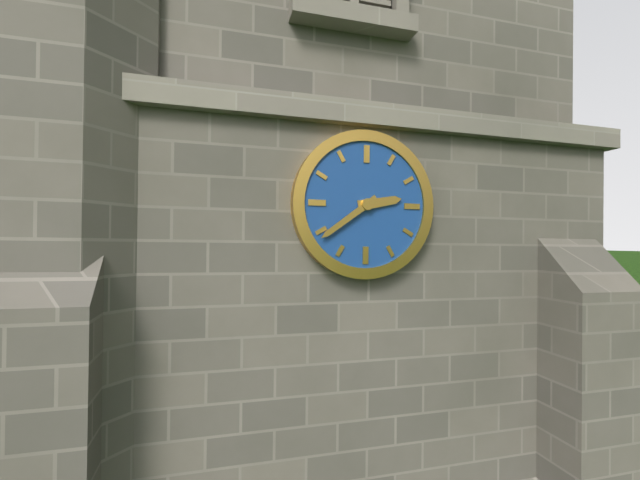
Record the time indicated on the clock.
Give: 2:39
